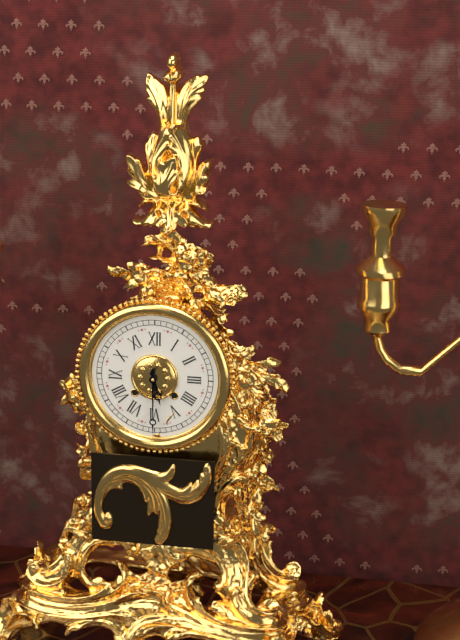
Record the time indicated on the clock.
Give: 5:30
